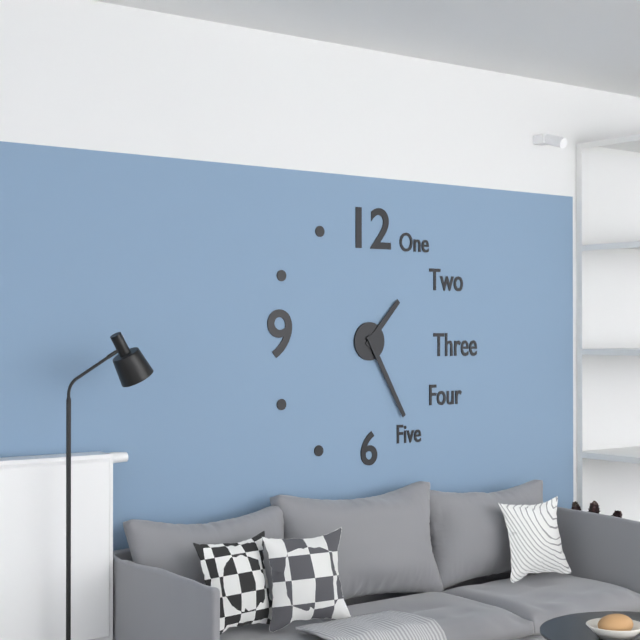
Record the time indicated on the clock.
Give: 1:25
